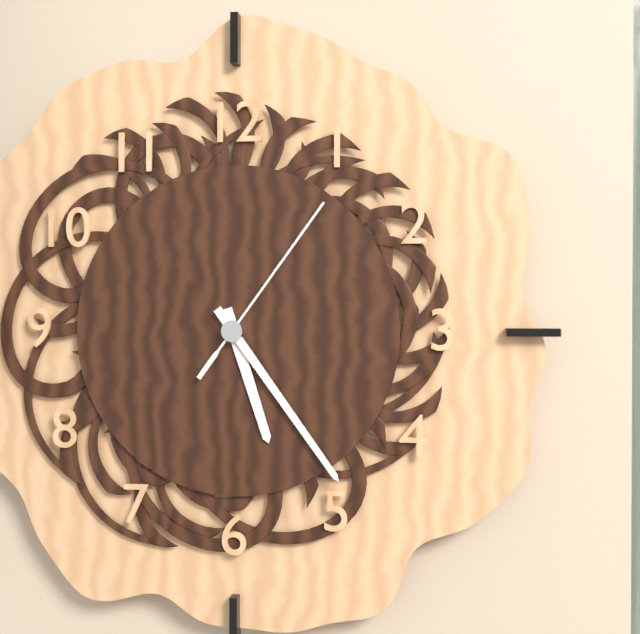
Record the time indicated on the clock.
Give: 5:24:06
